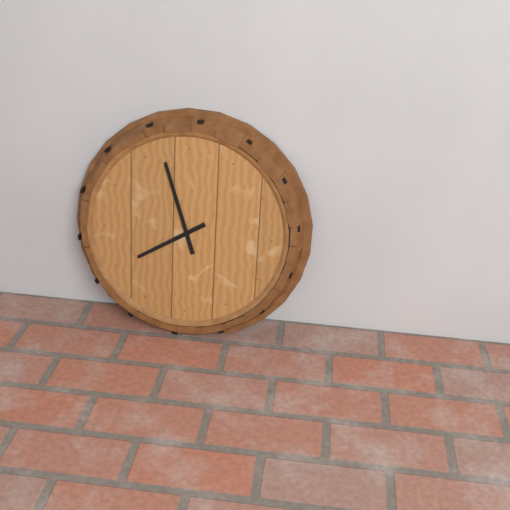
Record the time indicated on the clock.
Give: 7:57
